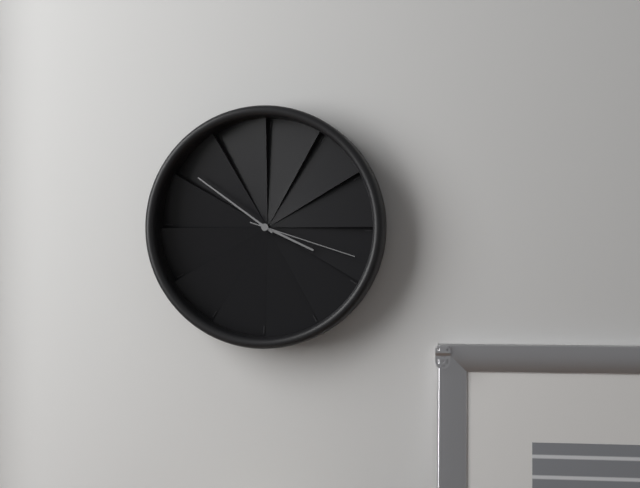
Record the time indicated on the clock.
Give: 3:51:18
